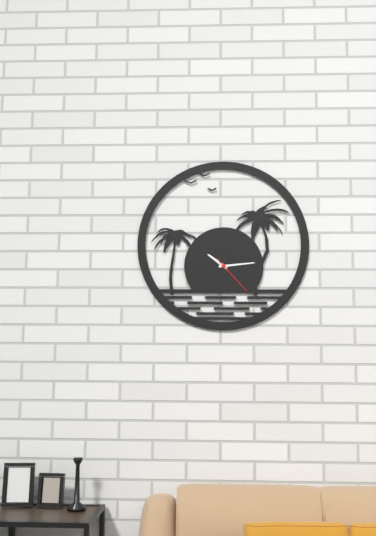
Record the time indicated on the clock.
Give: 10:14
